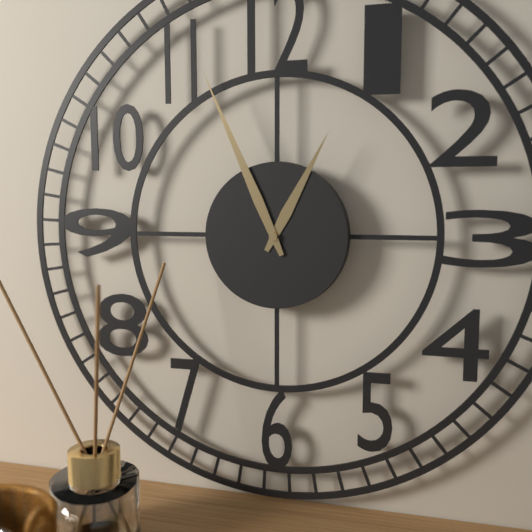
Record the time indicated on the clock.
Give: 12:56
